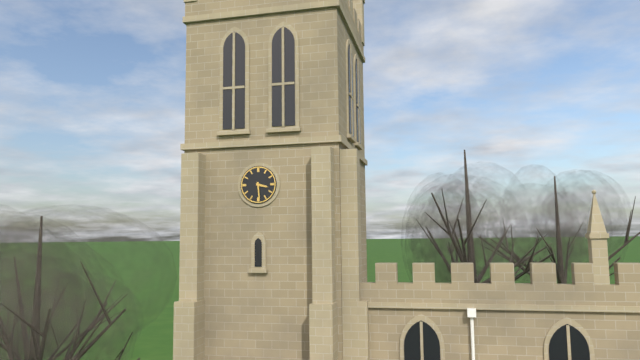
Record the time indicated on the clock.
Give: 3:29
